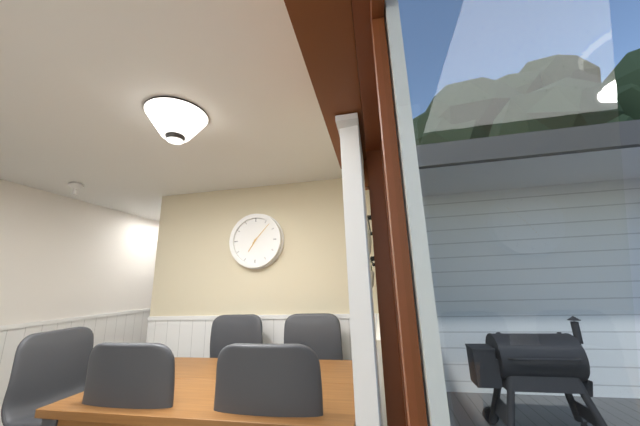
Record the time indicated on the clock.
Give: 7:07
